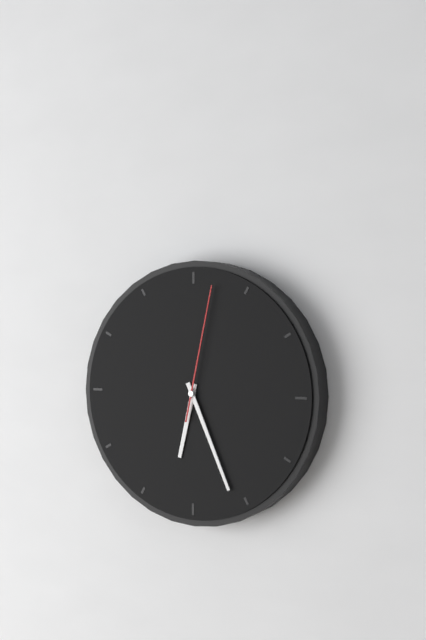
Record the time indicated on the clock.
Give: 6:26:02
